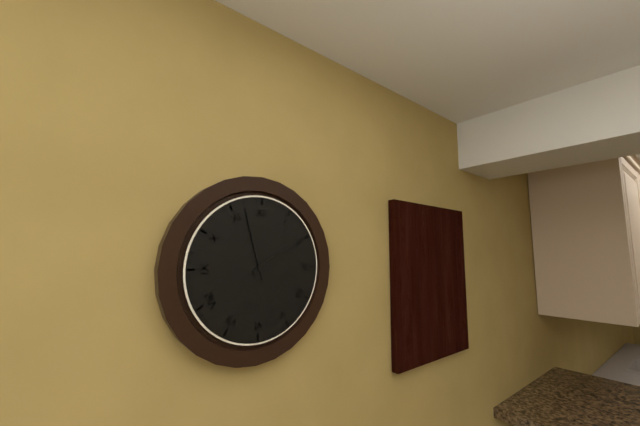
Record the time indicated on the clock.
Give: 1:57
